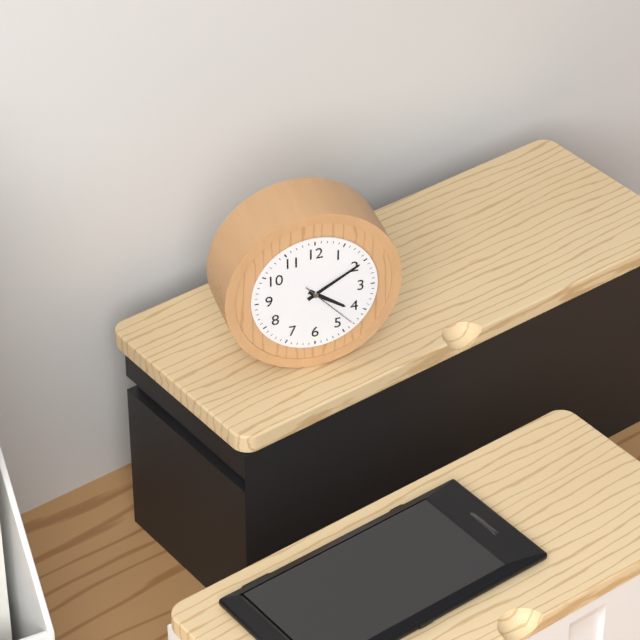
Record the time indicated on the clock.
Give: 4:10:23
